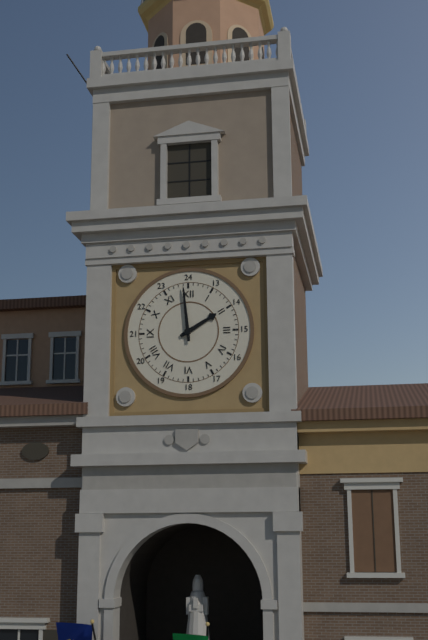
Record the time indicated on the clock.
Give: 1:59
